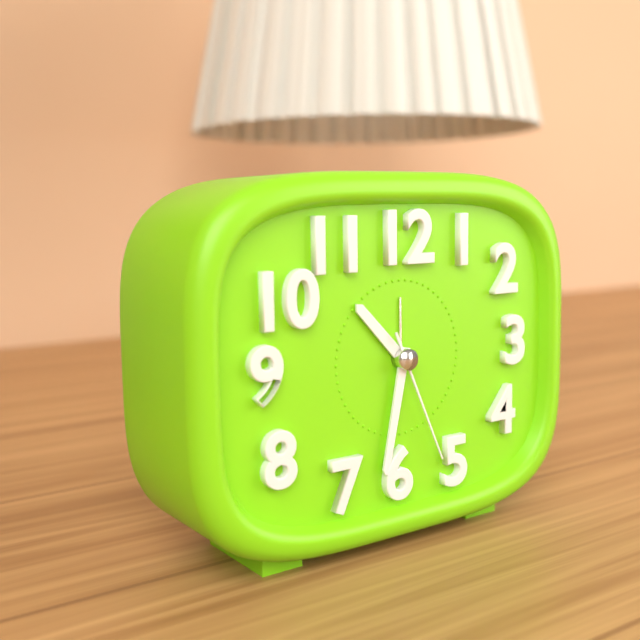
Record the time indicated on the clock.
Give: 10:32:26
